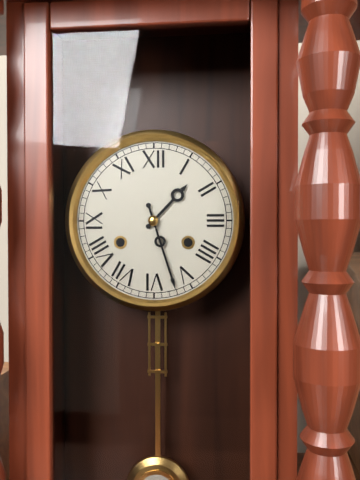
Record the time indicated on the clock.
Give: 1:27
